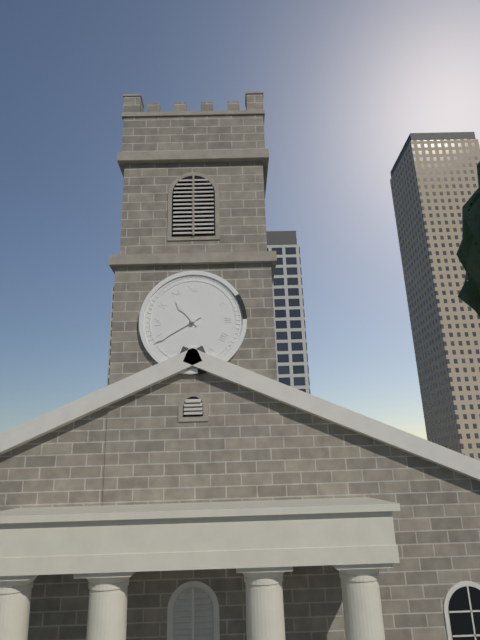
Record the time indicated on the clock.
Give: 10:40
